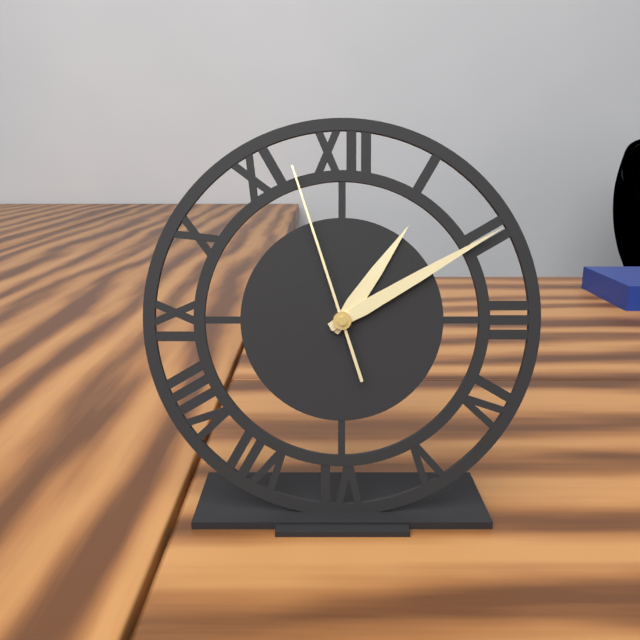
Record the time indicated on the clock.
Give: 1:10:57
